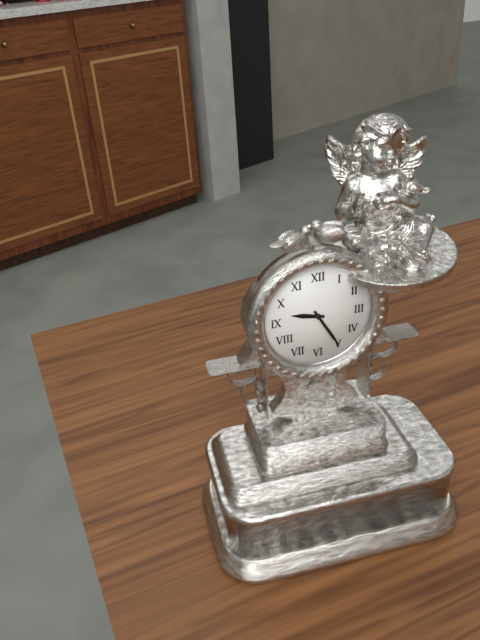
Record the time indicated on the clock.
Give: 9:25
